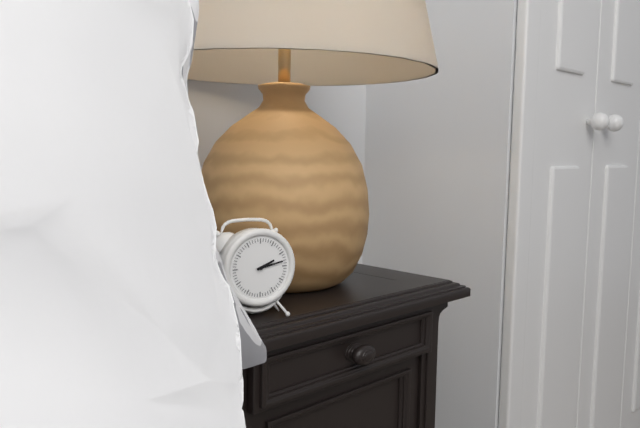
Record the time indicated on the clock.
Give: 2:13
